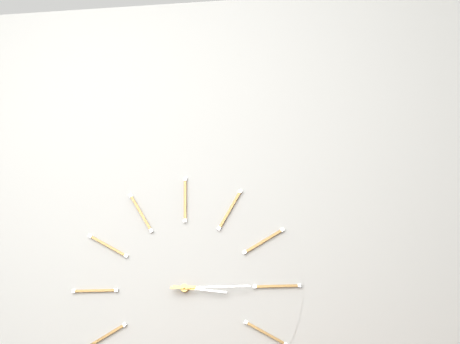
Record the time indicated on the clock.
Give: 3:15
